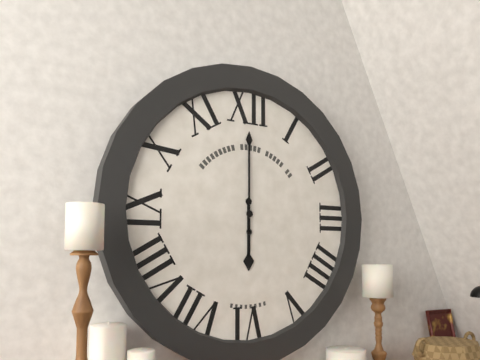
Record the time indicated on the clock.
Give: 6:00
